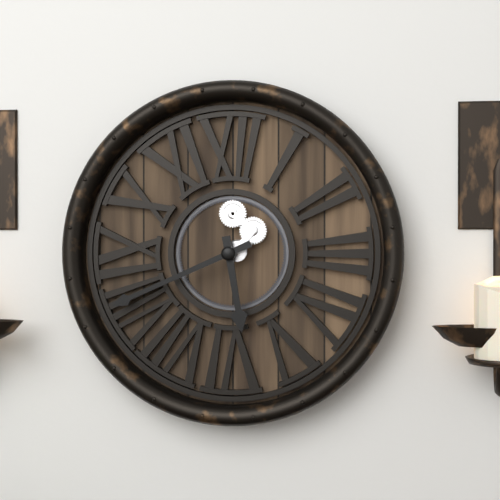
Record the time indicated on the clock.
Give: 5:41
